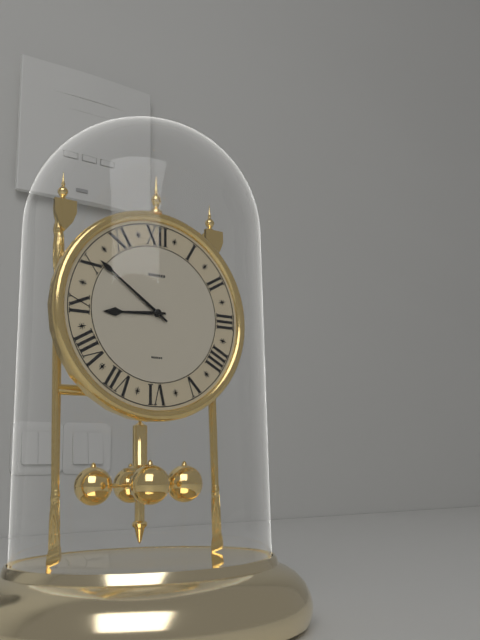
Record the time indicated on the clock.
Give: 8:51
